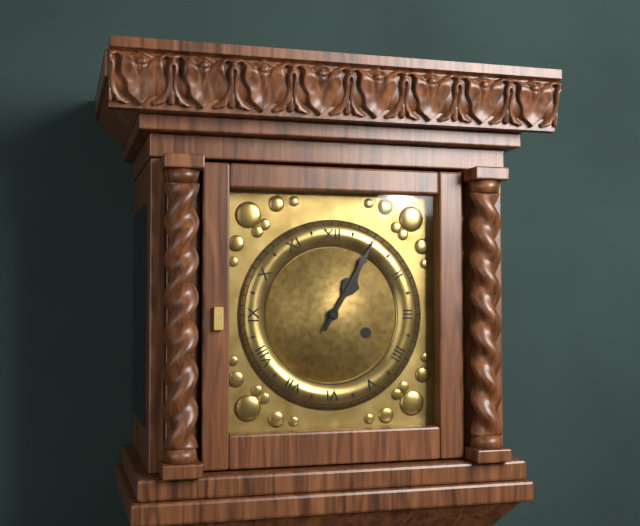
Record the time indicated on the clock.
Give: 1:05
